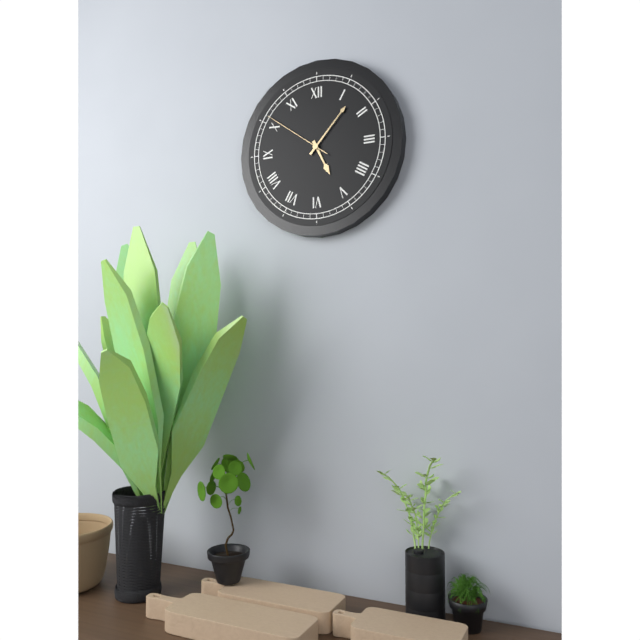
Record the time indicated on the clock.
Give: 5:07:51
